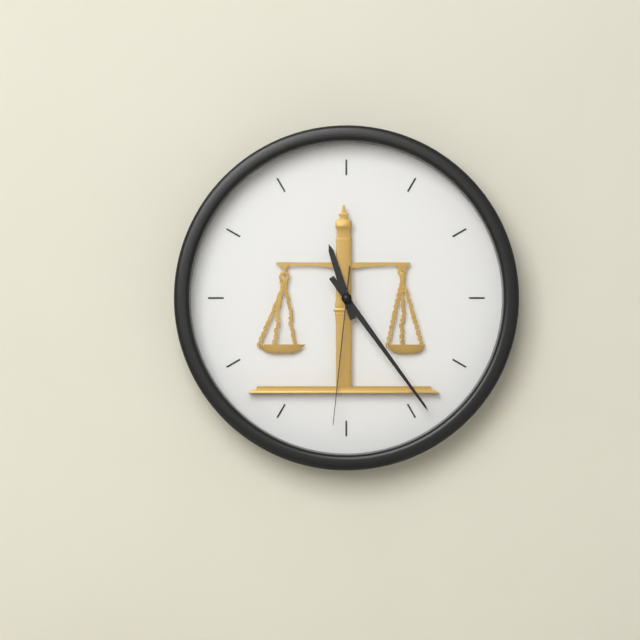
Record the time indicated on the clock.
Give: 11:24:31
